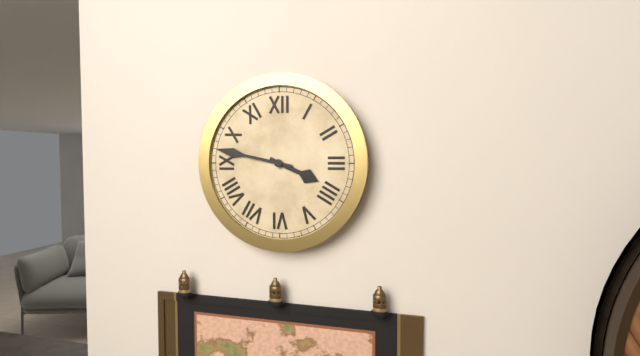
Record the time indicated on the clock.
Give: 3:47
